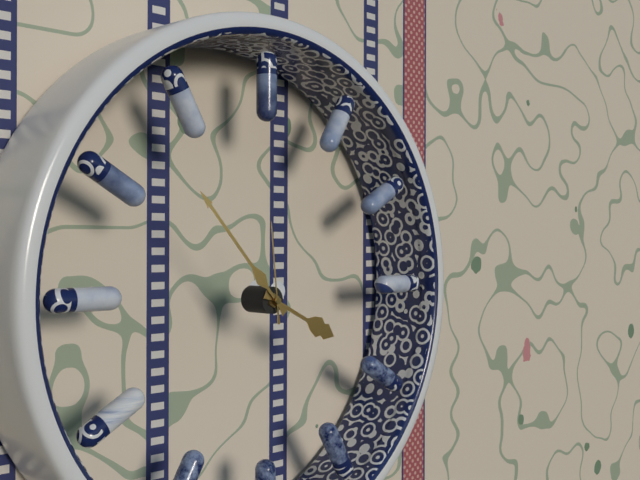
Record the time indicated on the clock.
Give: 3:53:59
